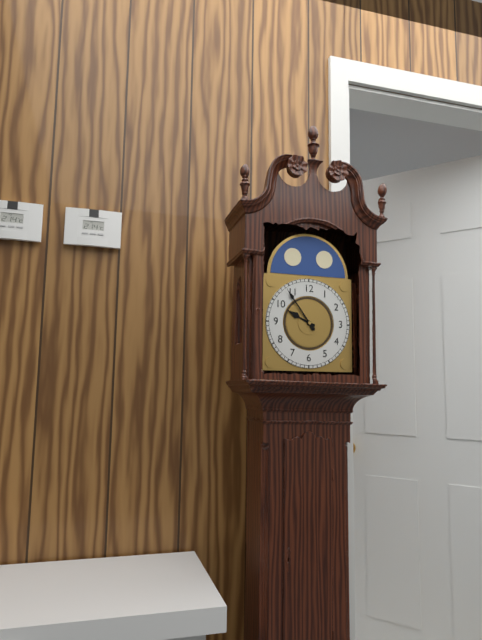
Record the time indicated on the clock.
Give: 9:54
